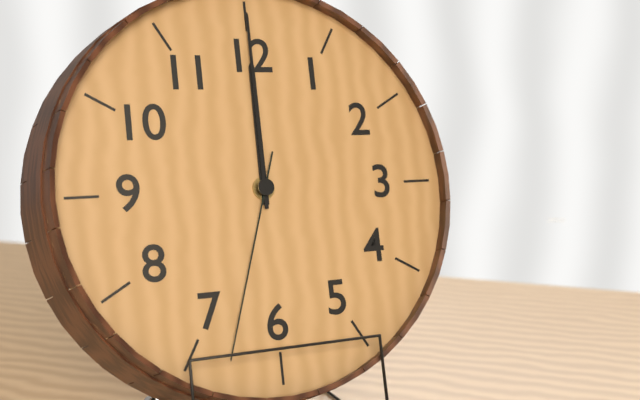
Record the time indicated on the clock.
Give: 12:00:33
